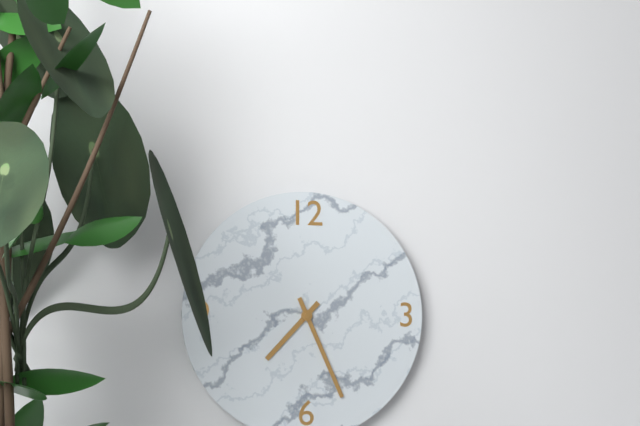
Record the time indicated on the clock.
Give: 7:26
